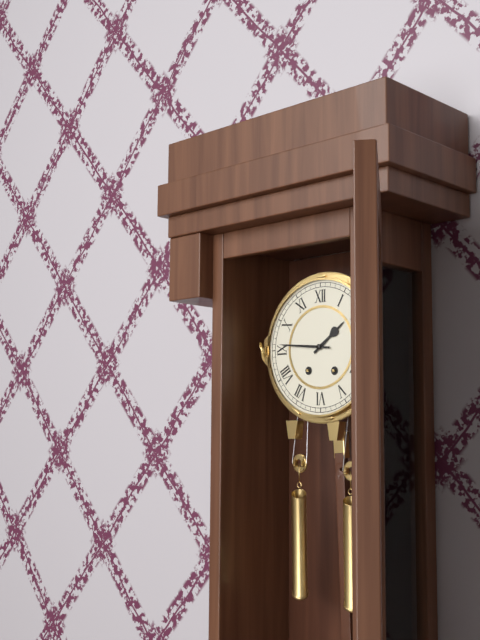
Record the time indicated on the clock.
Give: 1:46
